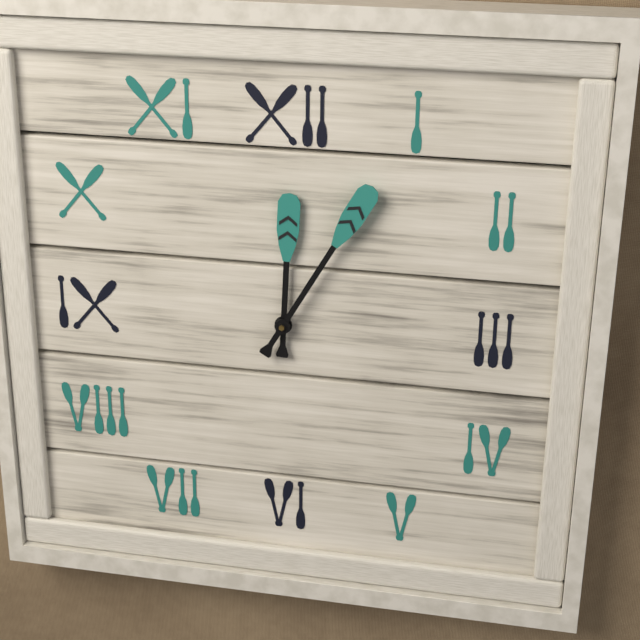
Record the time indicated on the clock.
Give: 12:05
